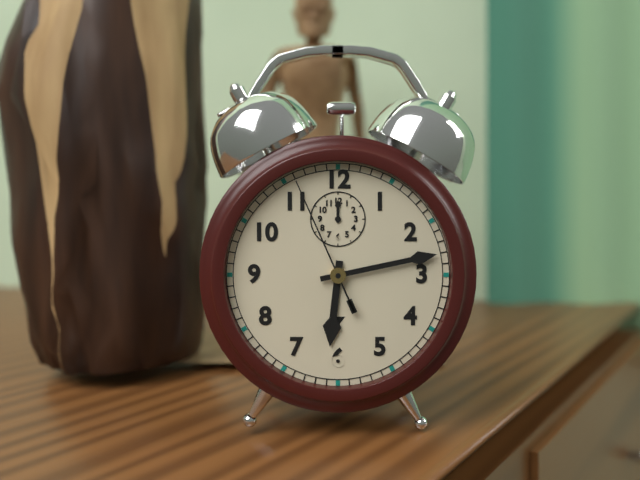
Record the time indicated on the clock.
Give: 6:13:56
